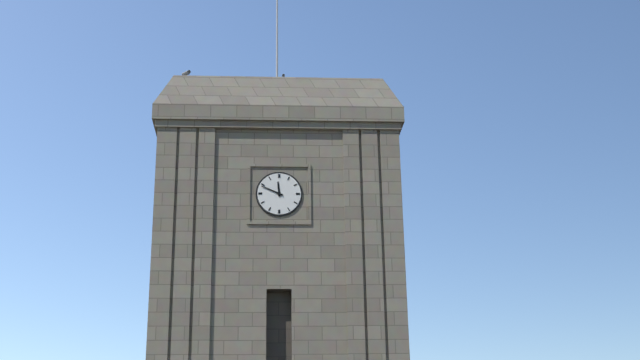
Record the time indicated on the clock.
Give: 11:49
